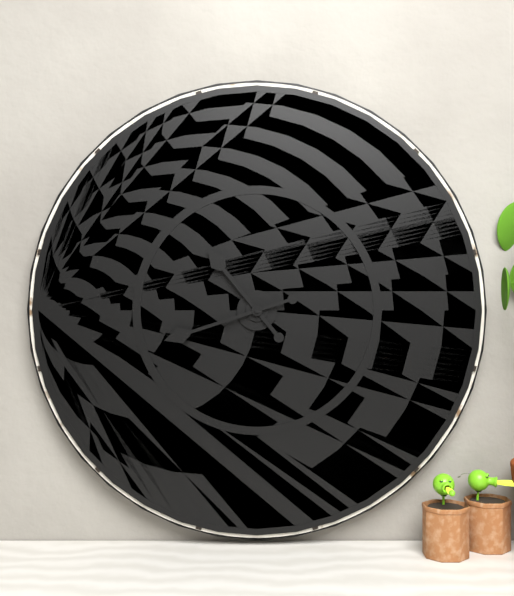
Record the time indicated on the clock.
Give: 10:42
